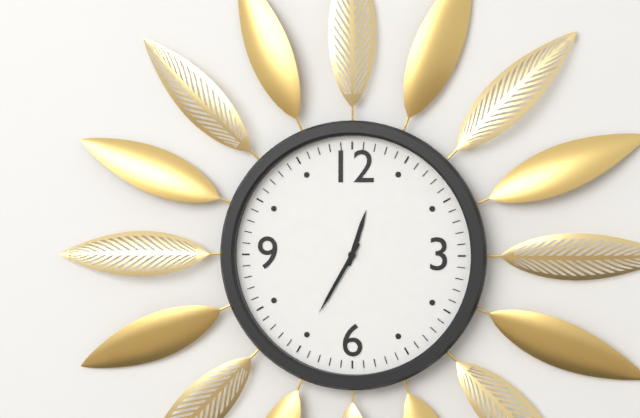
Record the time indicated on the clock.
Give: 12:35
